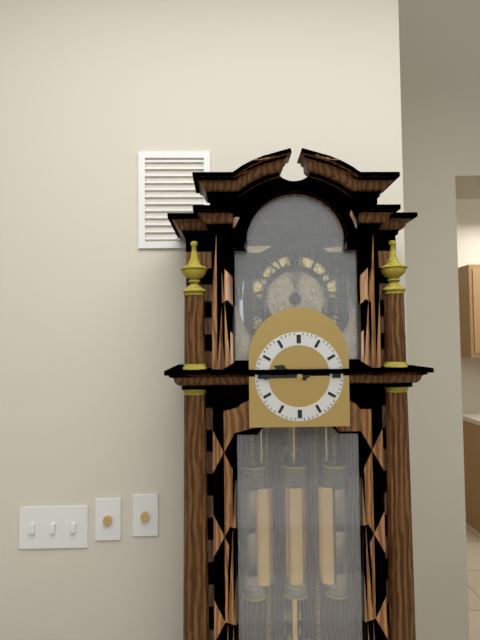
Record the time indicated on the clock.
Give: 9:45
